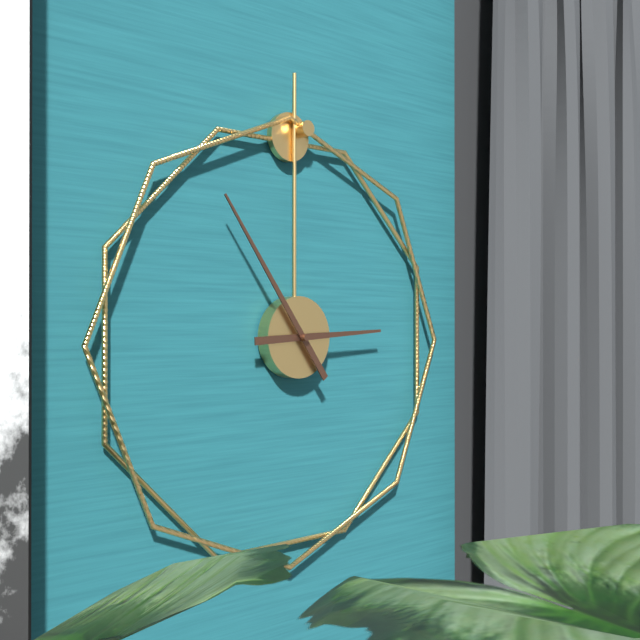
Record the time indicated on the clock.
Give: 2:54
